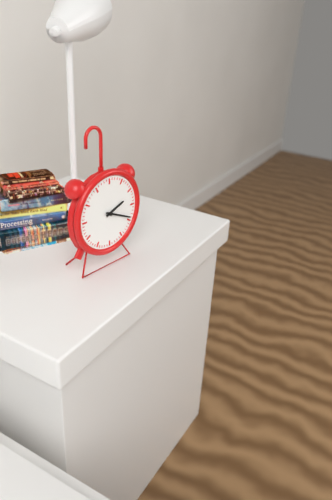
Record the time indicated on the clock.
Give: 2:19
